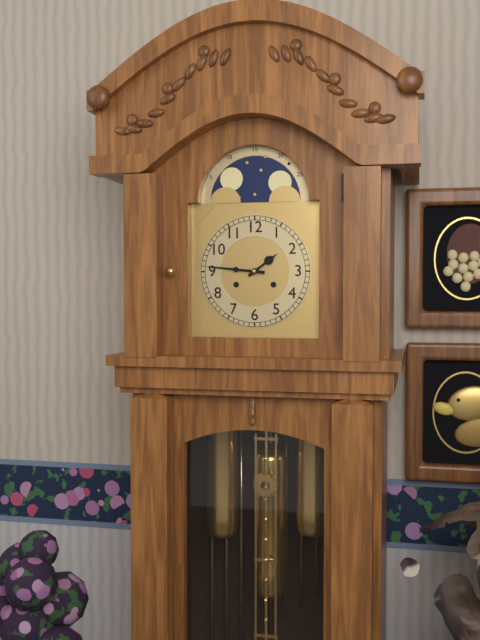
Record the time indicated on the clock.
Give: 1:46
